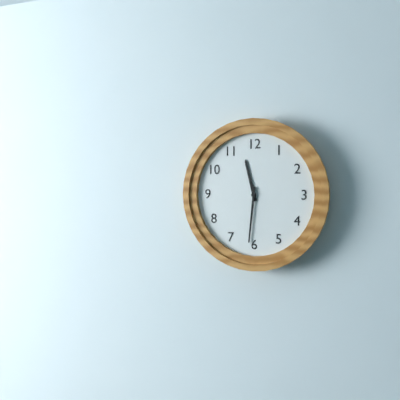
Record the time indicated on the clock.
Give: 11:31
